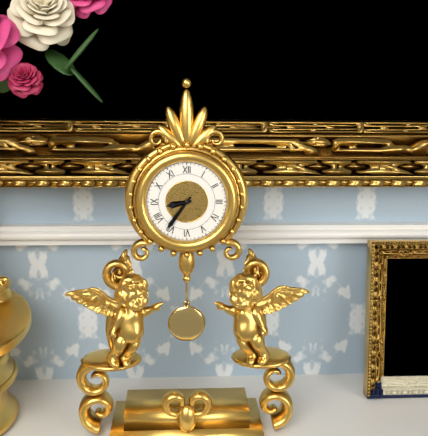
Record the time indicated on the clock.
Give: 8:36
